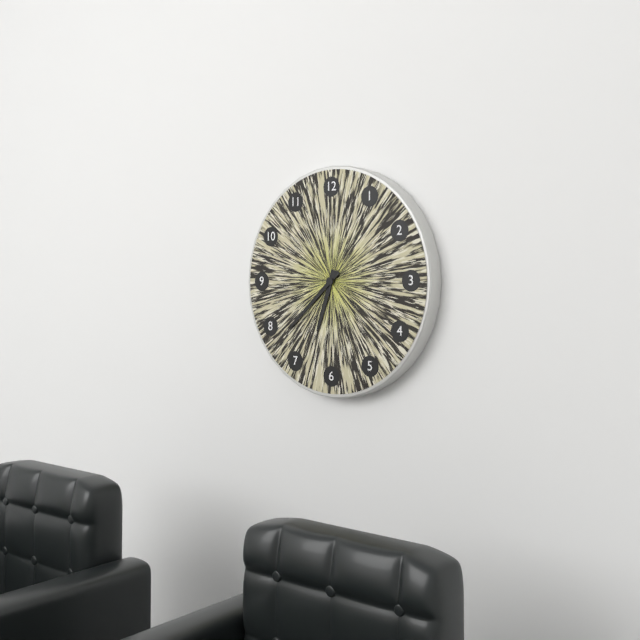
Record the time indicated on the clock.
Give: 6:38
